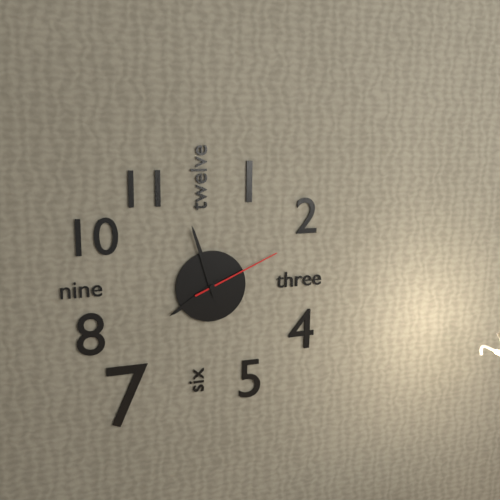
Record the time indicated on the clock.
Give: 7:57:11
